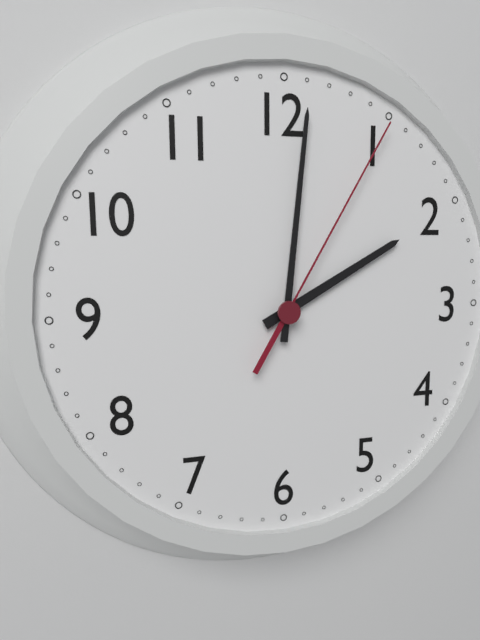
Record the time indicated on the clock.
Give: 2:01:05
